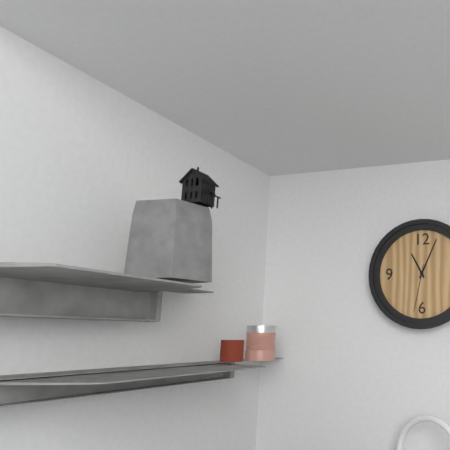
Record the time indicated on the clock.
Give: 11:04
